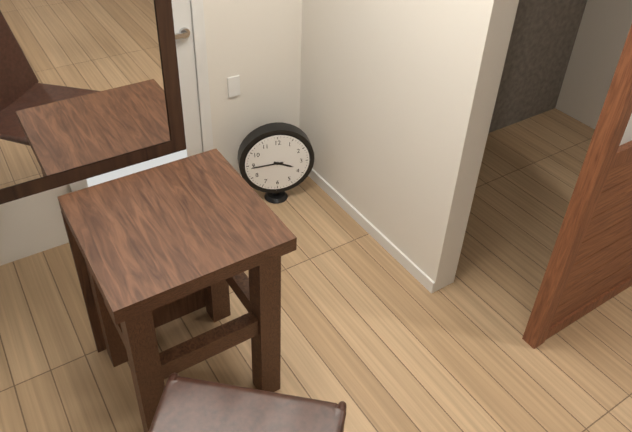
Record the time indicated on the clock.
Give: 3:44
